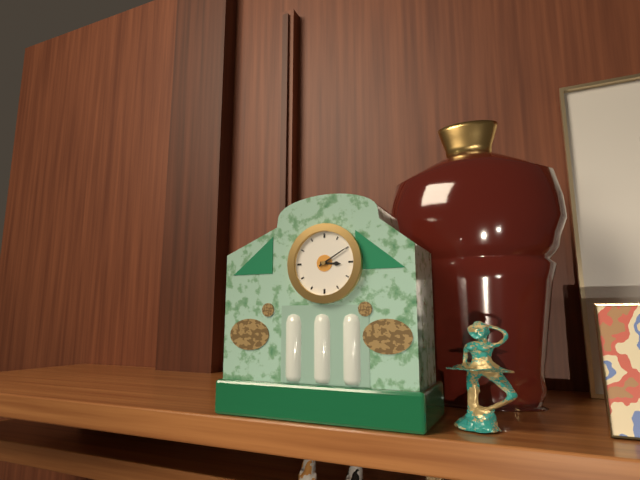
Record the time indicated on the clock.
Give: 3:10
